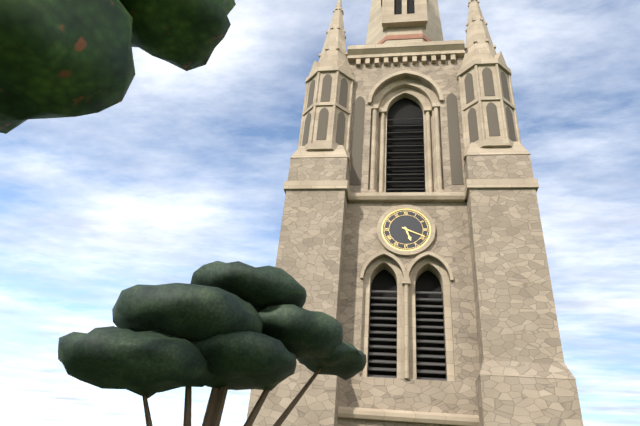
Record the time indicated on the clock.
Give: 5:19
